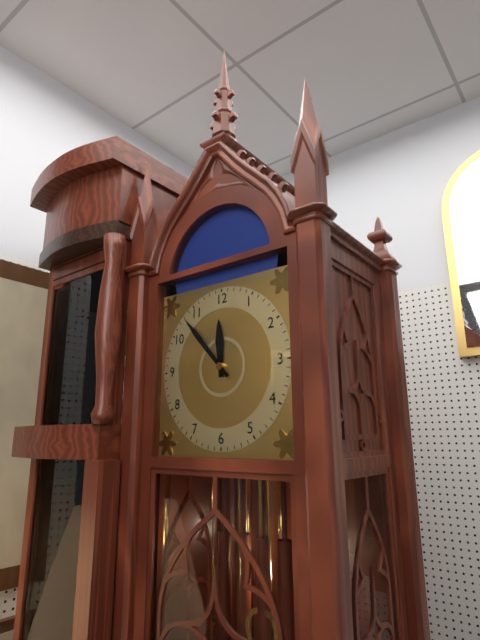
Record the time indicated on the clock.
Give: 11:53
